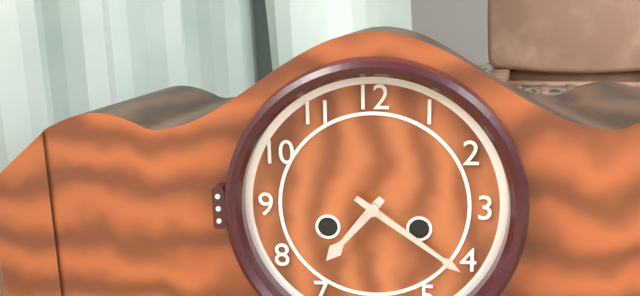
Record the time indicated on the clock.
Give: 7:21
